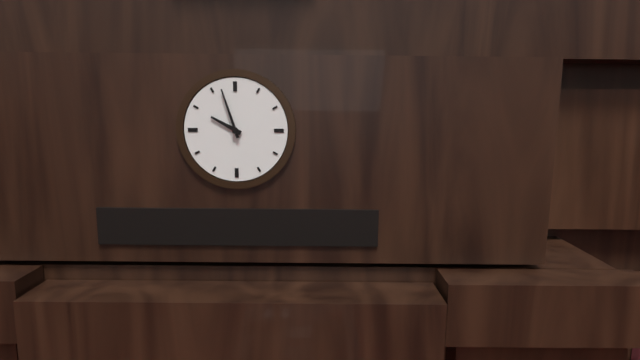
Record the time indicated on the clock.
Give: 9:57
